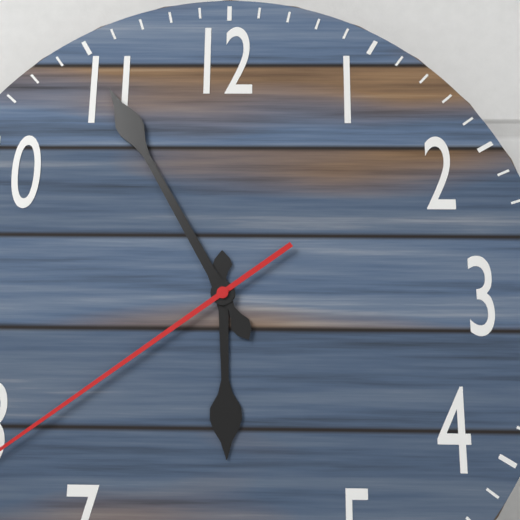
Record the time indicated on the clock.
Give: 5:55
